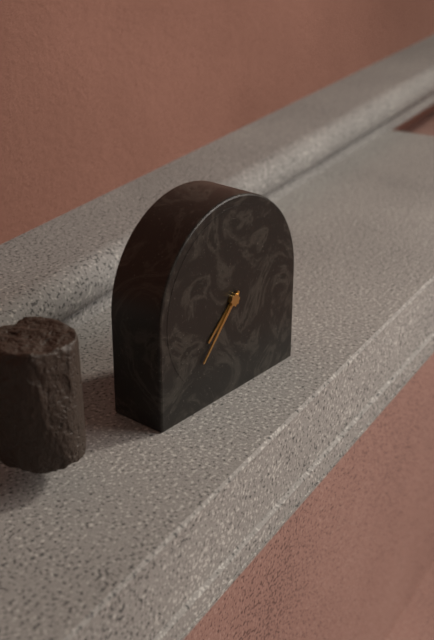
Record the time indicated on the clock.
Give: 7:37
